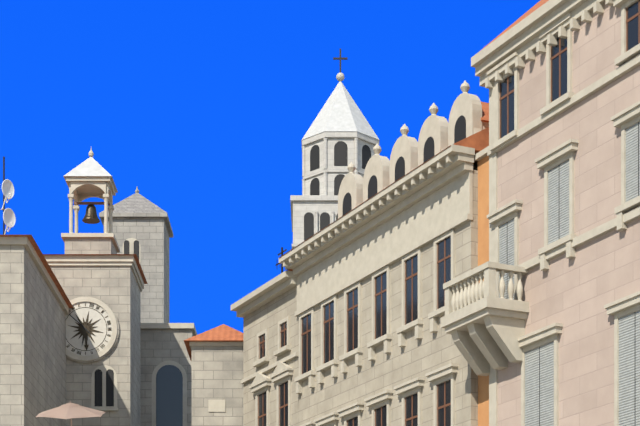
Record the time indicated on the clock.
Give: 5:52
